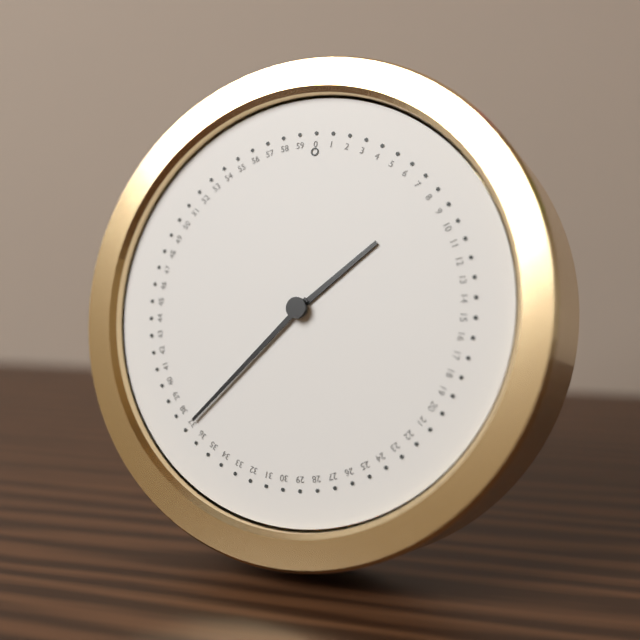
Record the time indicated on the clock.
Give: 1:37
